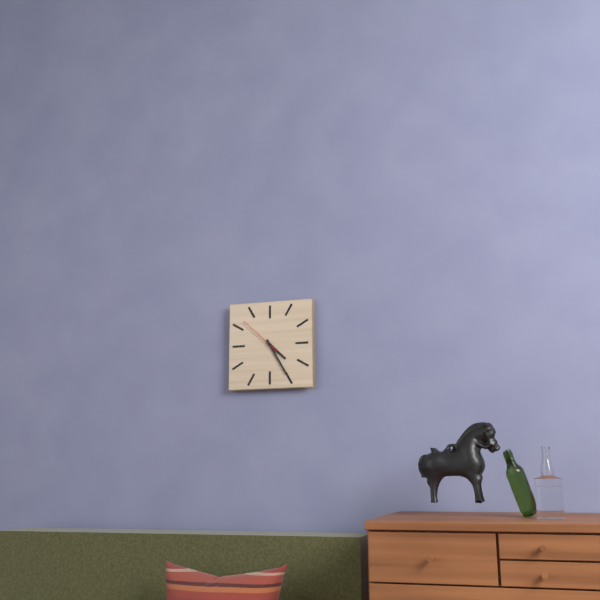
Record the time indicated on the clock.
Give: 4:25
